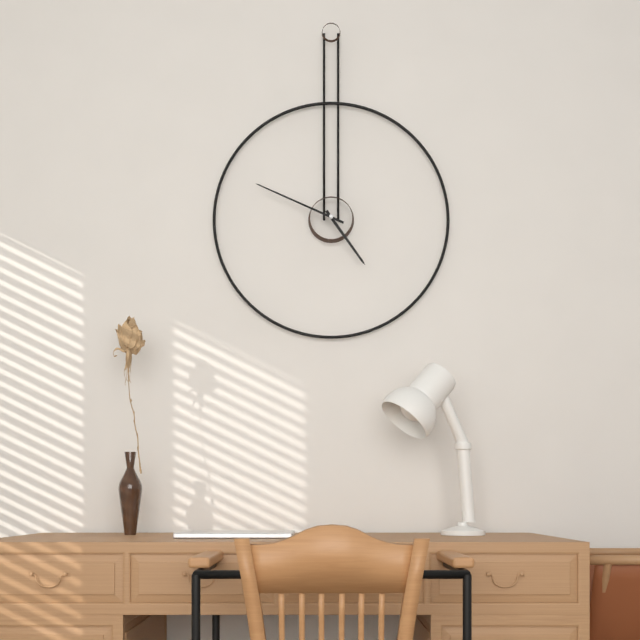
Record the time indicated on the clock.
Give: 4:49
